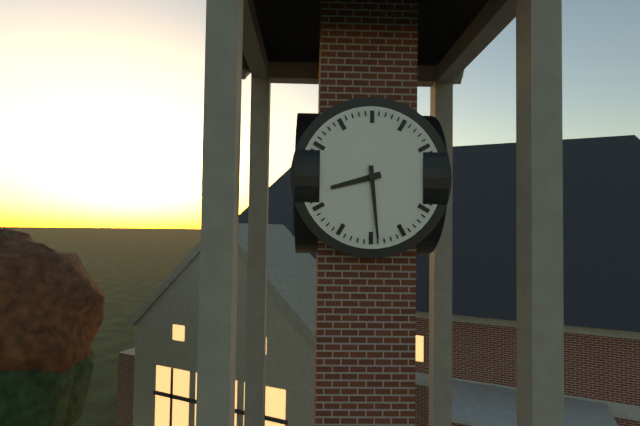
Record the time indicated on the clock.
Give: 8:29
